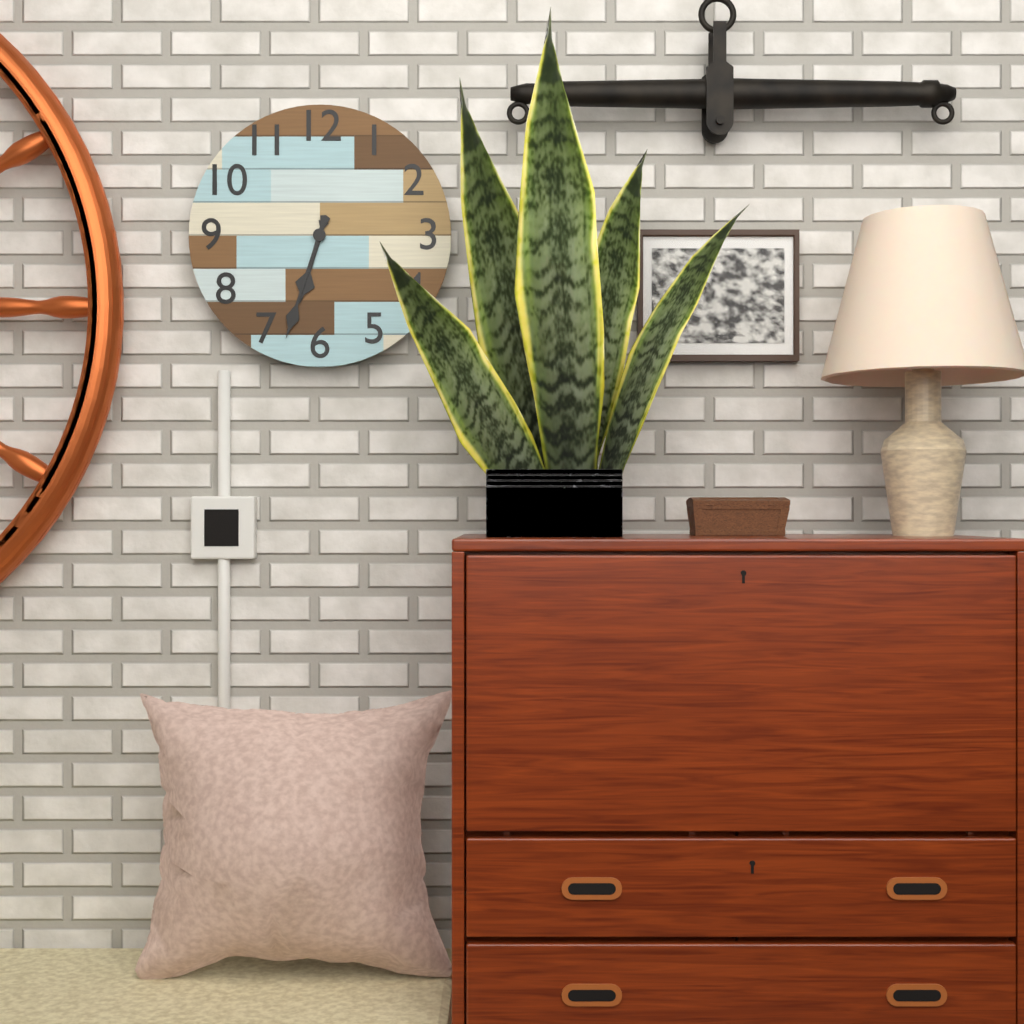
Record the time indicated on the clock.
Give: 6:33
